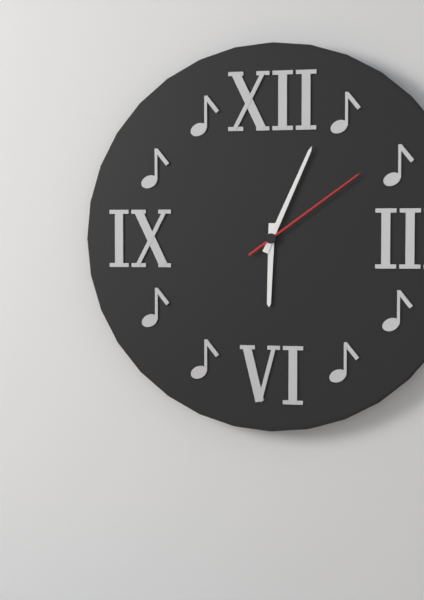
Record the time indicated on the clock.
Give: 6:04:09
